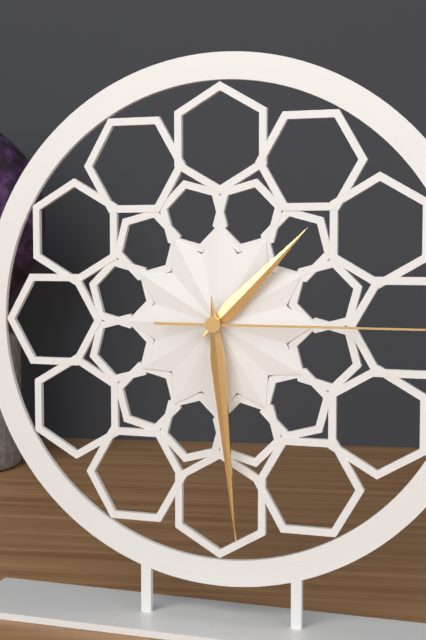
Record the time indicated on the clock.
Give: 1:29
